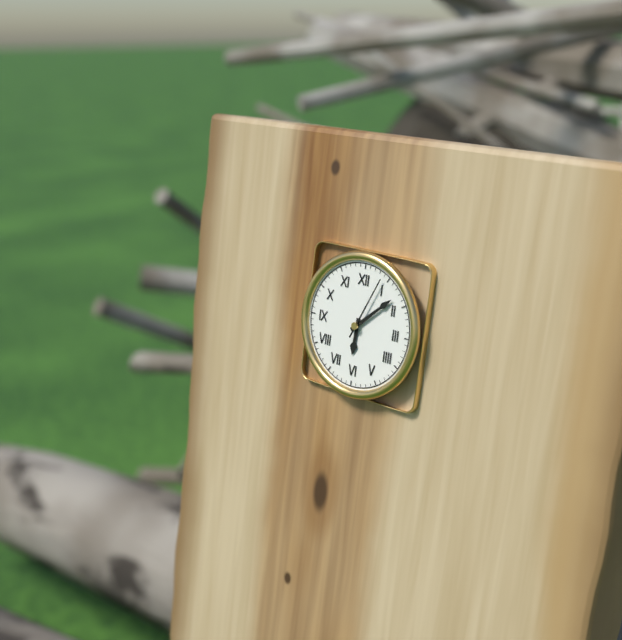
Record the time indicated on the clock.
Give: 6:08:04
